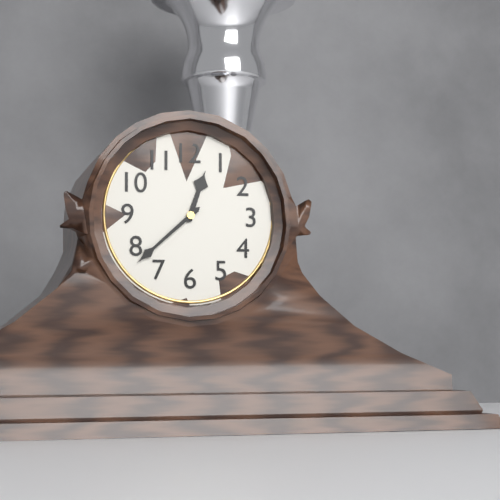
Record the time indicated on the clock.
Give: 12:38
